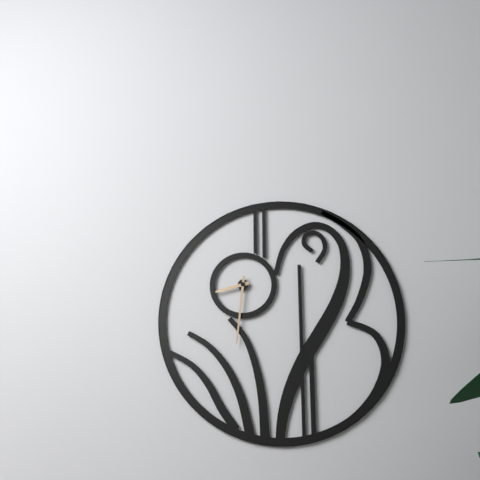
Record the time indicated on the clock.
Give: 8:31
